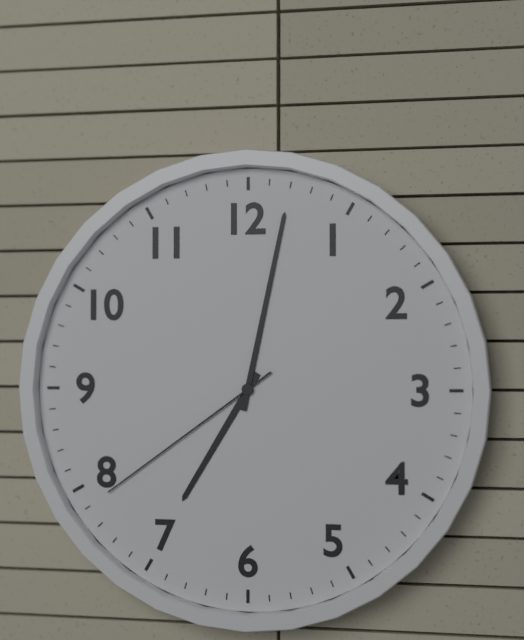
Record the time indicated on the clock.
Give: 7:02:39
